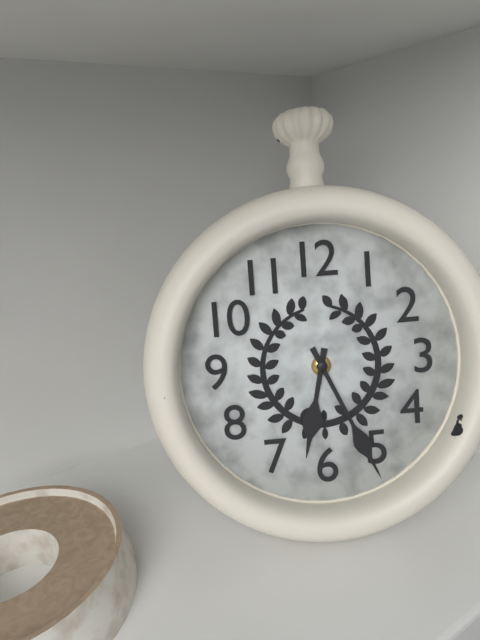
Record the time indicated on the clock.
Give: 6:26
